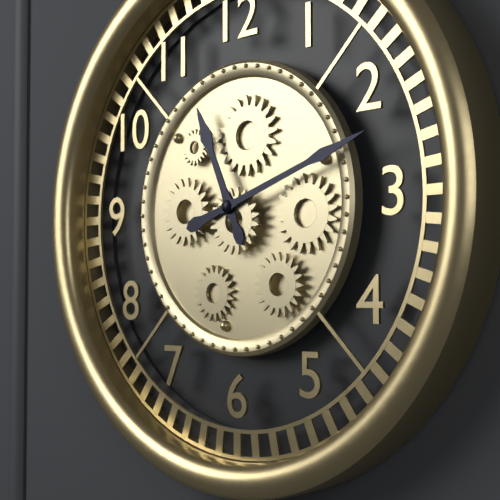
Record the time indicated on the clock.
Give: 11:12
